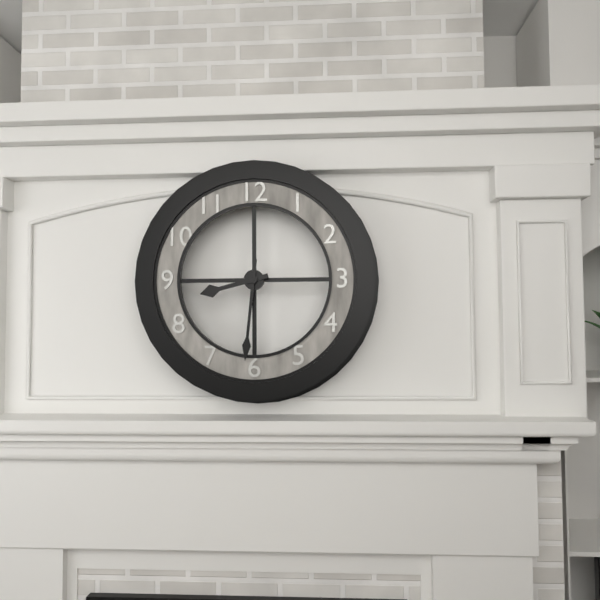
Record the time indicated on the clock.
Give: 8:31
